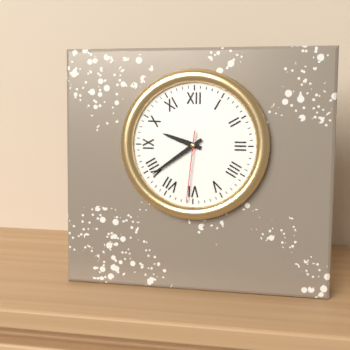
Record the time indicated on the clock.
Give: 9:39:31
